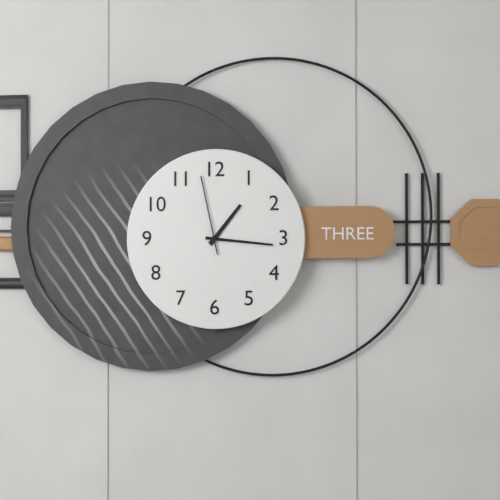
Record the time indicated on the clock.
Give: 1:16:58
